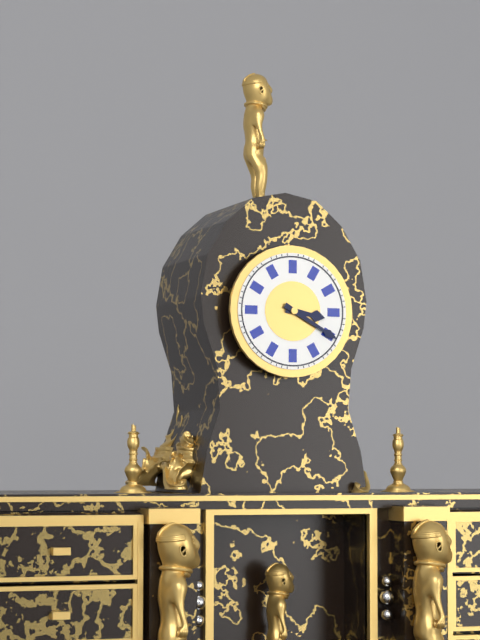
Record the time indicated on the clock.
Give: 3:20
